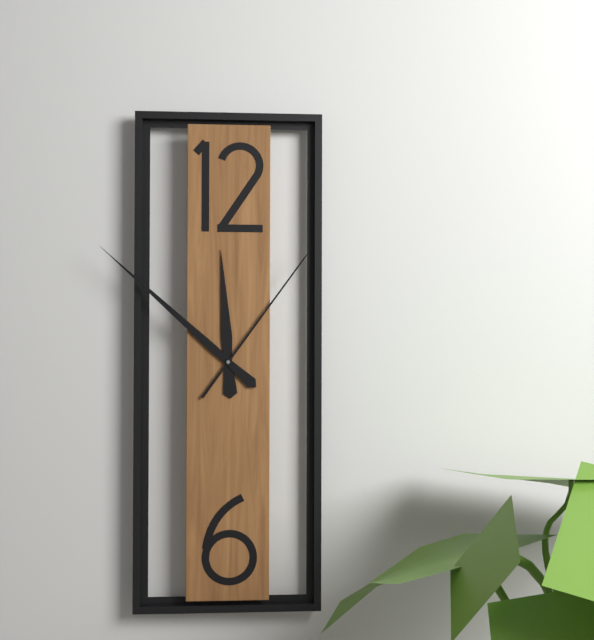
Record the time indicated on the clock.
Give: 11:52:06
